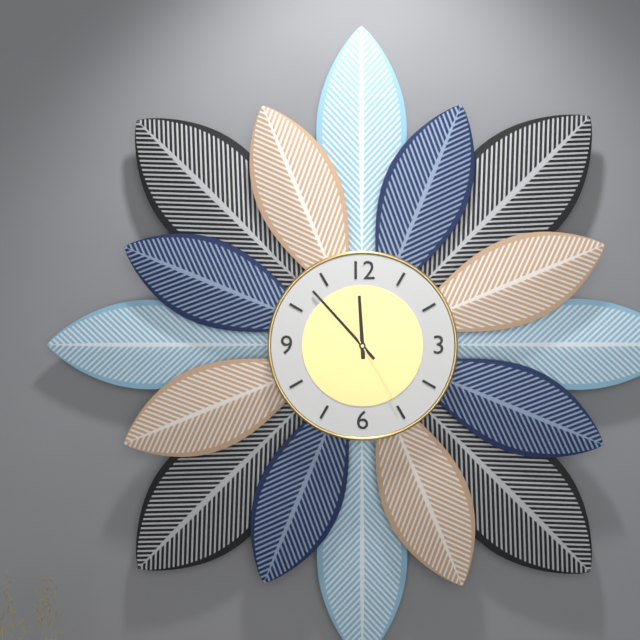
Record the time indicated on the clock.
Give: 11:53:25
